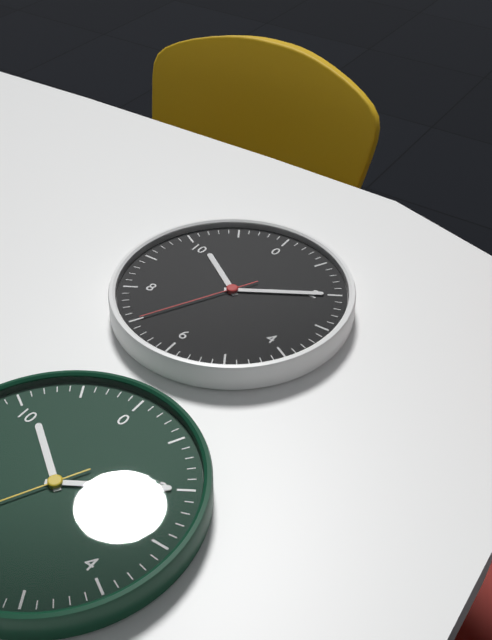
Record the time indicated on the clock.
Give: 10:10:35
